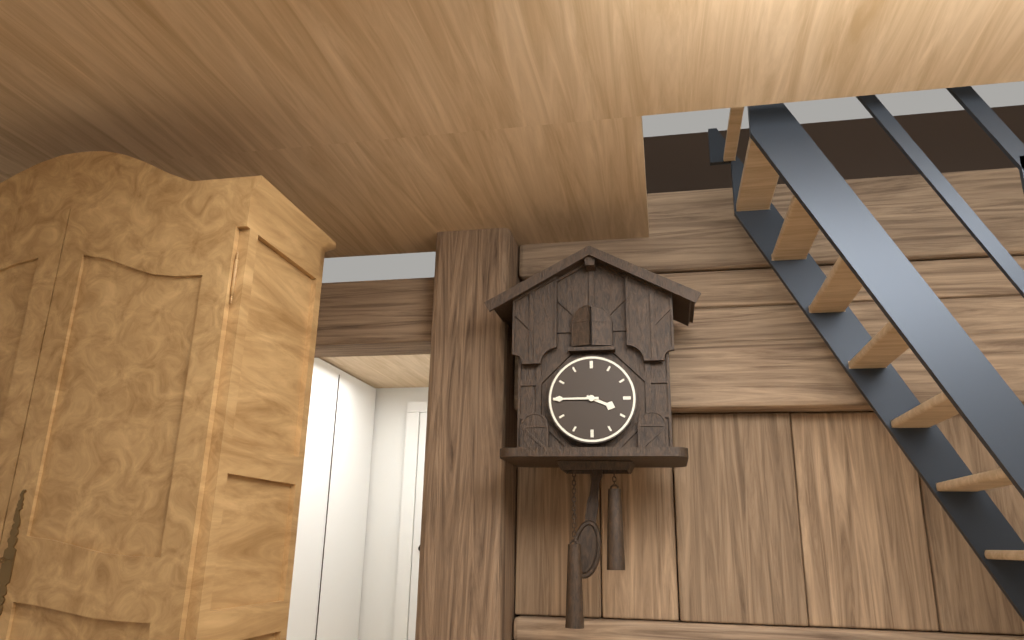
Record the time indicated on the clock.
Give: 3:45
